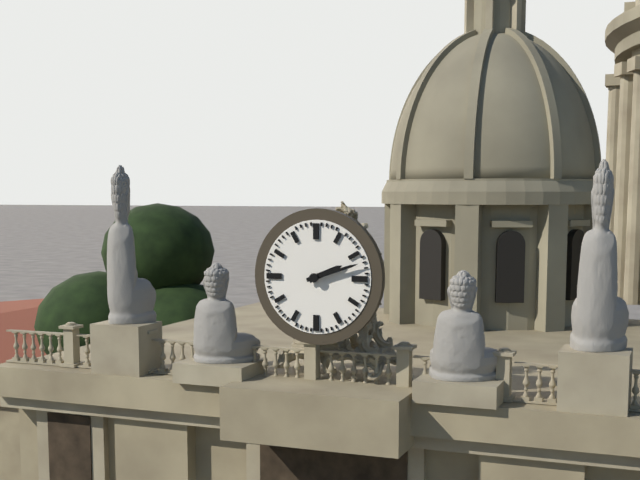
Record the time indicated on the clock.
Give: 2:12
